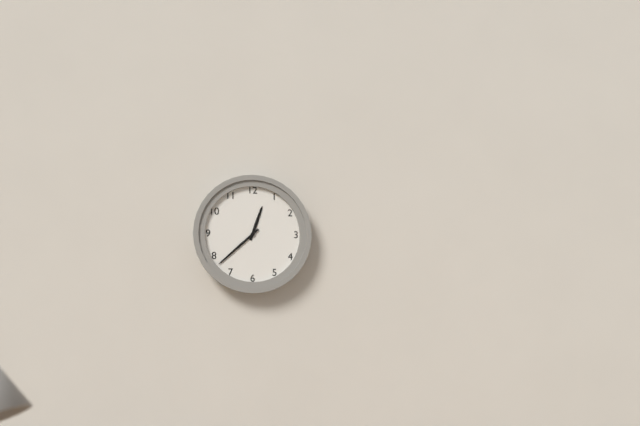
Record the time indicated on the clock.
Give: 12:38
